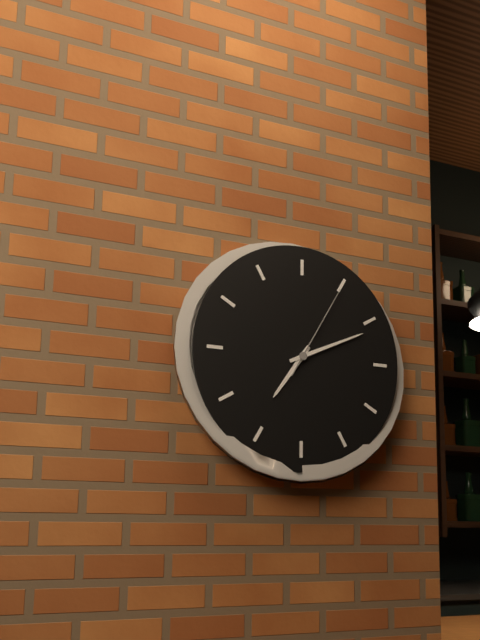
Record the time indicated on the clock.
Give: 7:11:05
